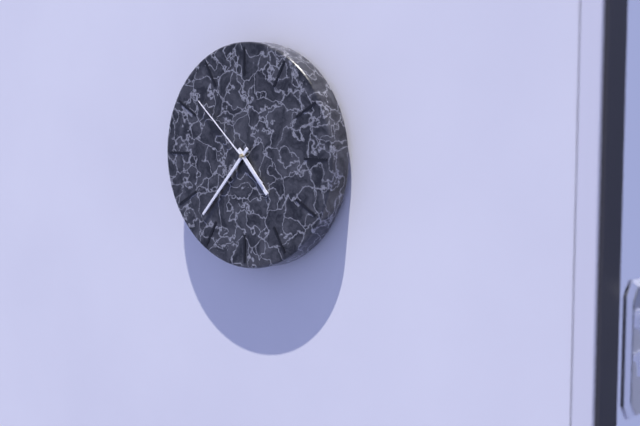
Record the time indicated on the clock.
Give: 4:37:52
